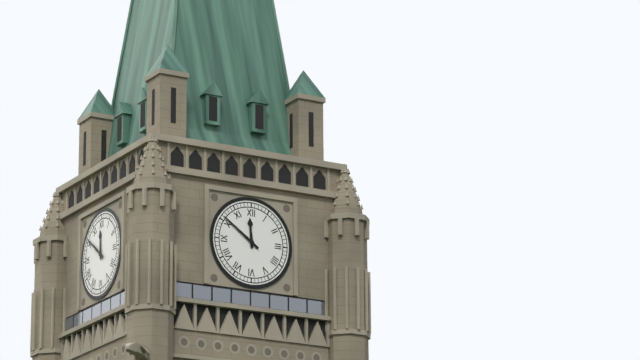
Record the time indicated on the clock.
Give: 11:51
